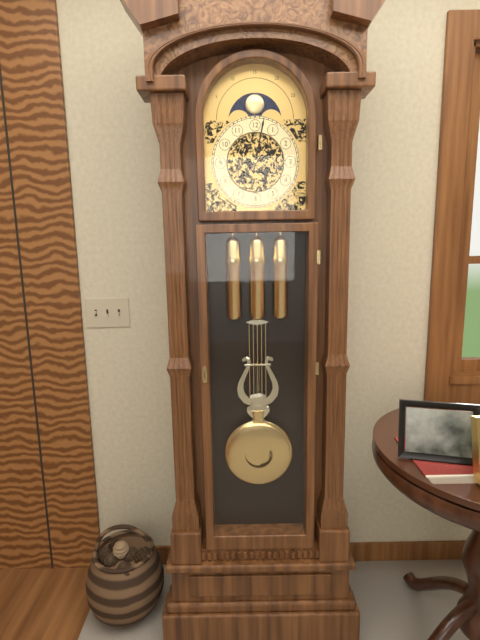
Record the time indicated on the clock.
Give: 2:02
